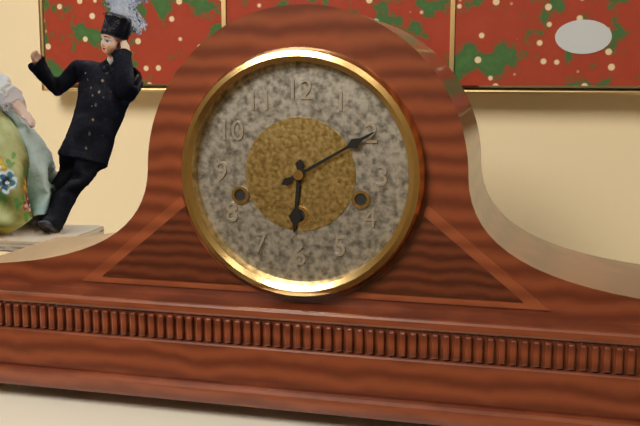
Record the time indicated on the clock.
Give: 6:10
